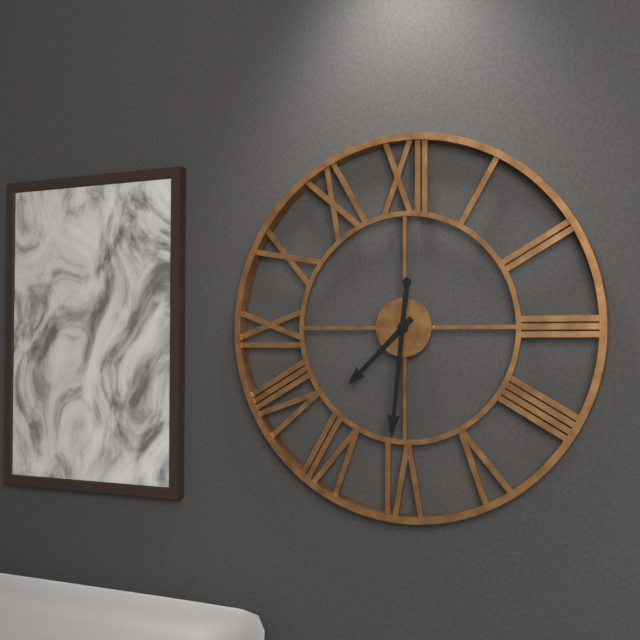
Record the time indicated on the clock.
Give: 7:31
